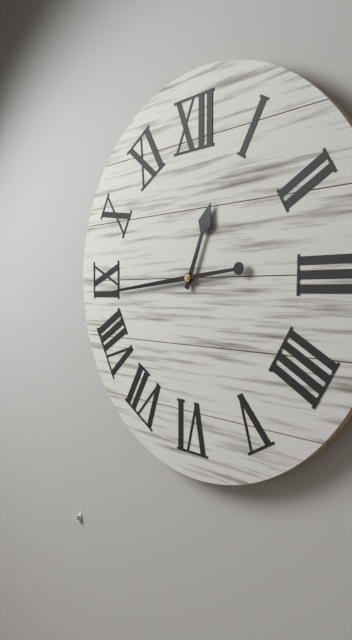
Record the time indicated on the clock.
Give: 12:44
